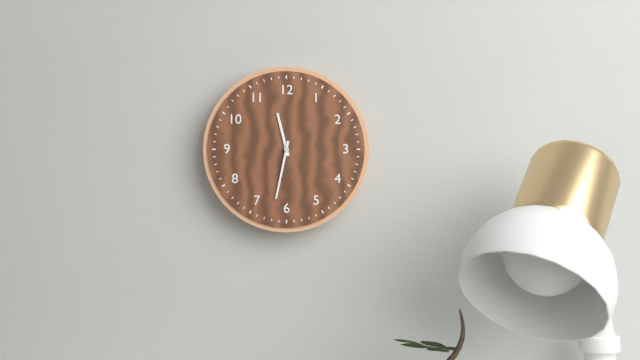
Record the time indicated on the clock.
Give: 11:32
